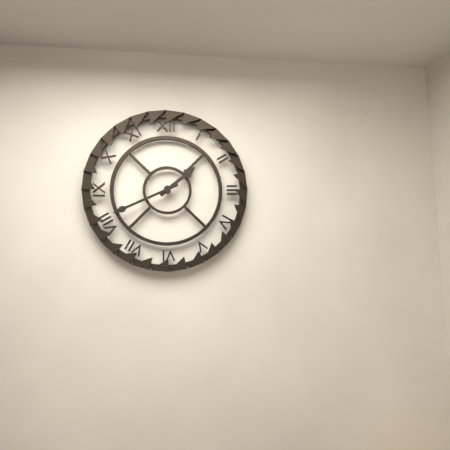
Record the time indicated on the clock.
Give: 1:41
